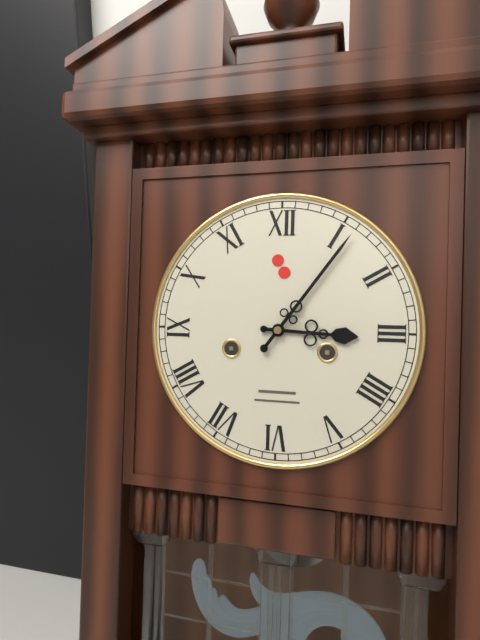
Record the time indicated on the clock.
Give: 3:06
